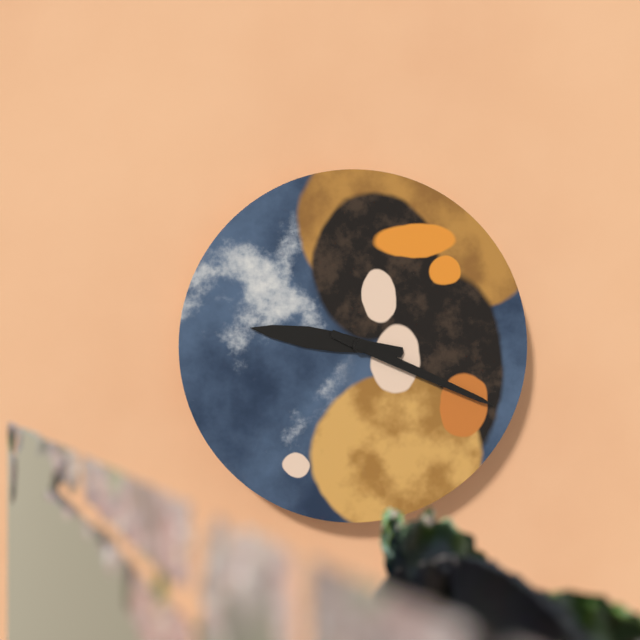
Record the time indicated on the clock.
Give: 9:19
